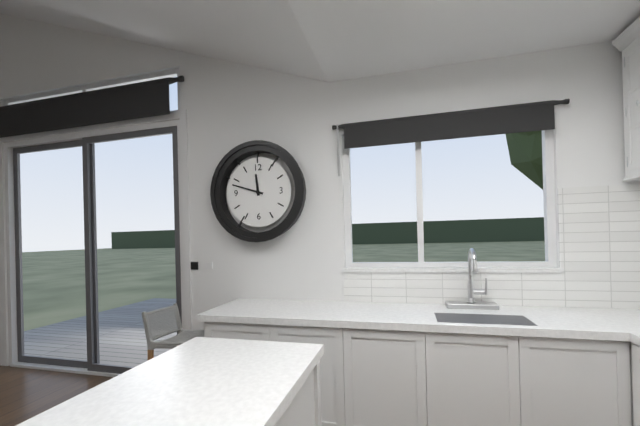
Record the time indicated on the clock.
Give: 11:48
